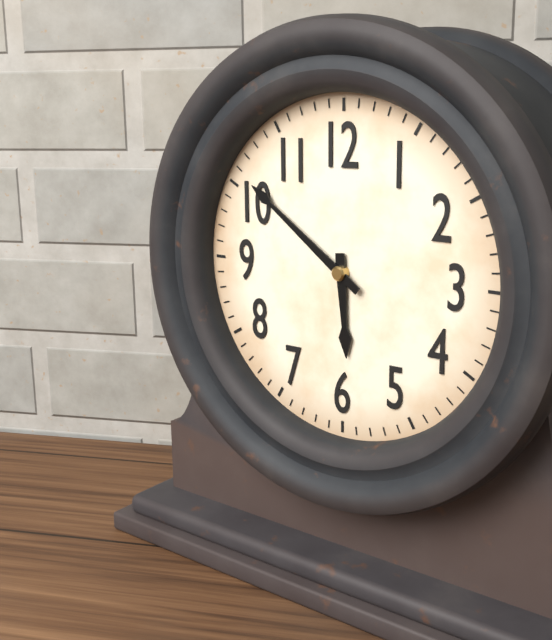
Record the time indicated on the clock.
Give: 5:51
